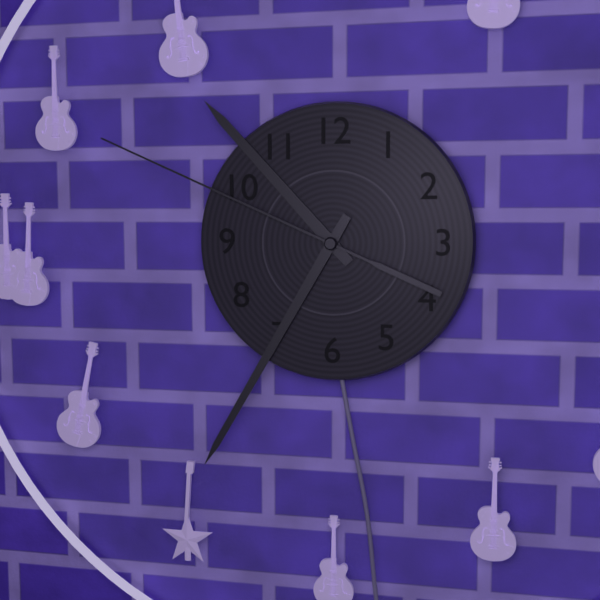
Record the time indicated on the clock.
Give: 10:35:49
